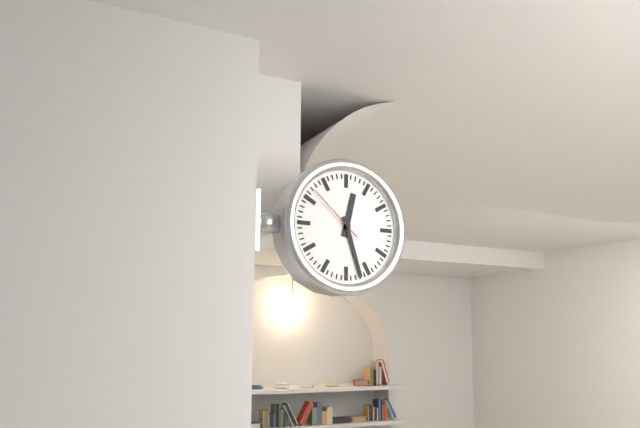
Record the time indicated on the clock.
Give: 12:27:52
